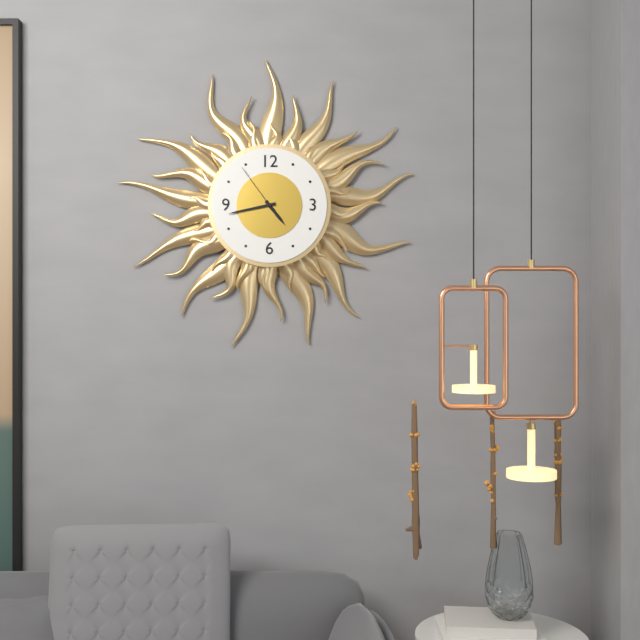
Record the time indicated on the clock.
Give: 4:43:54
